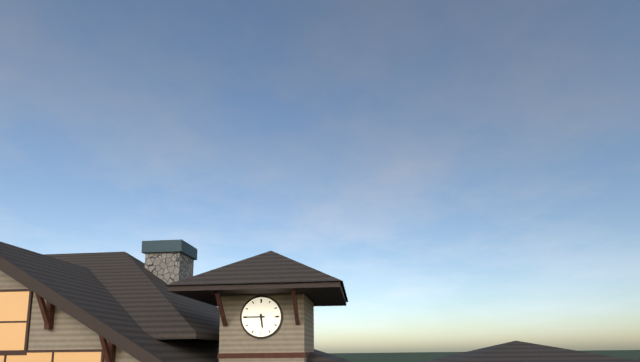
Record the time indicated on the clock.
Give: 5:45
